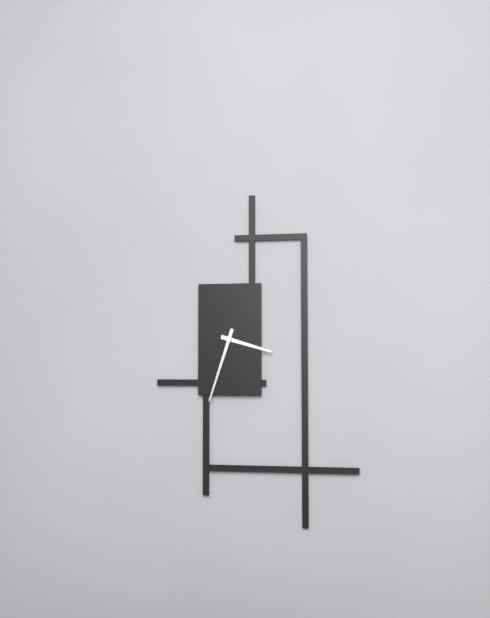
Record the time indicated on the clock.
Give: 3:33
